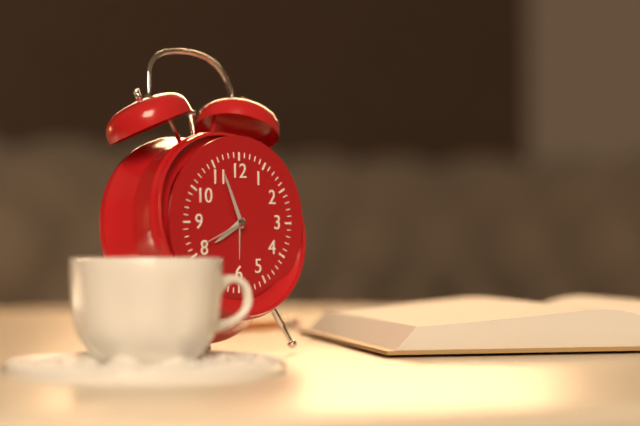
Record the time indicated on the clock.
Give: 7:56:41
